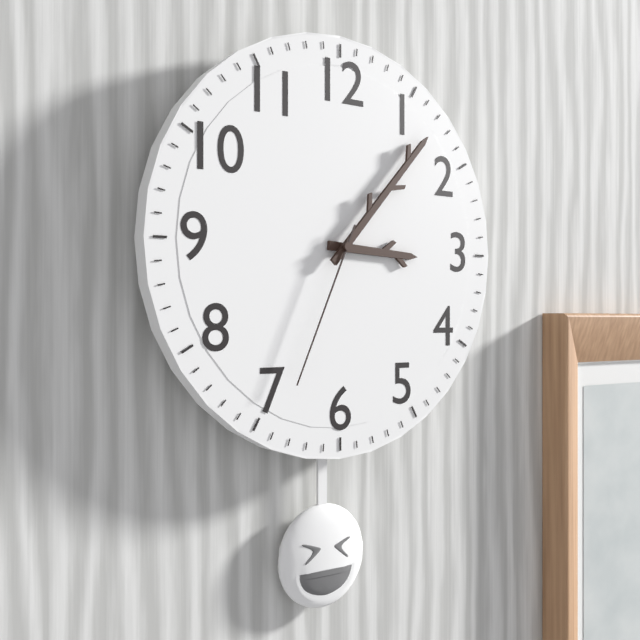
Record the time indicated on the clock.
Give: 3:07:34
